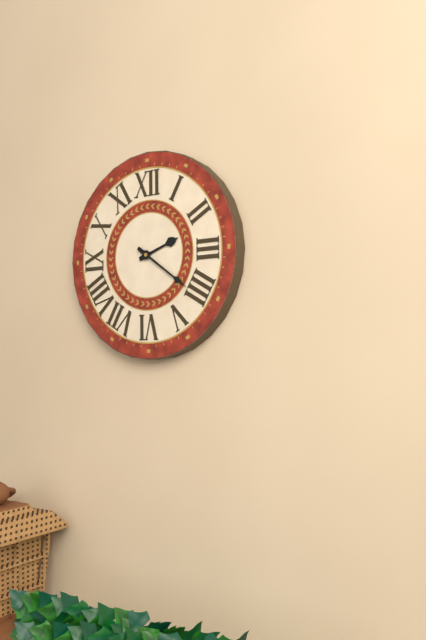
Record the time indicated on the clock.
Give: 2:21
